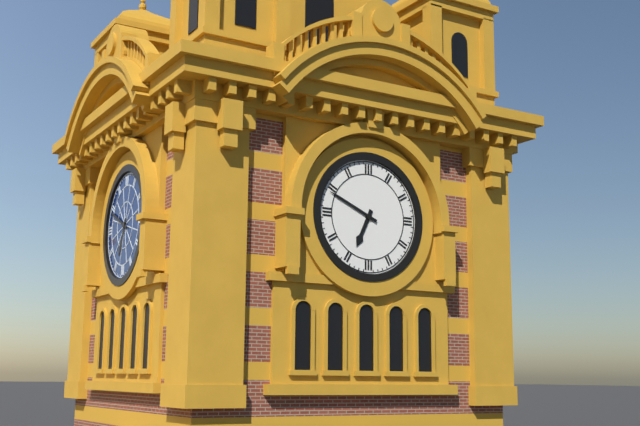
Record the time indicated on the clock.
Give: 6:49
